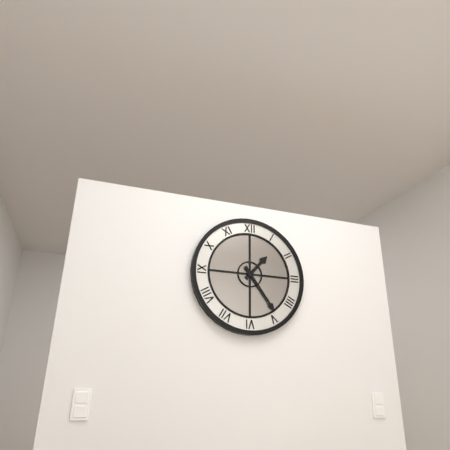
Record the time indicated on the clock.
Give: 1:24
